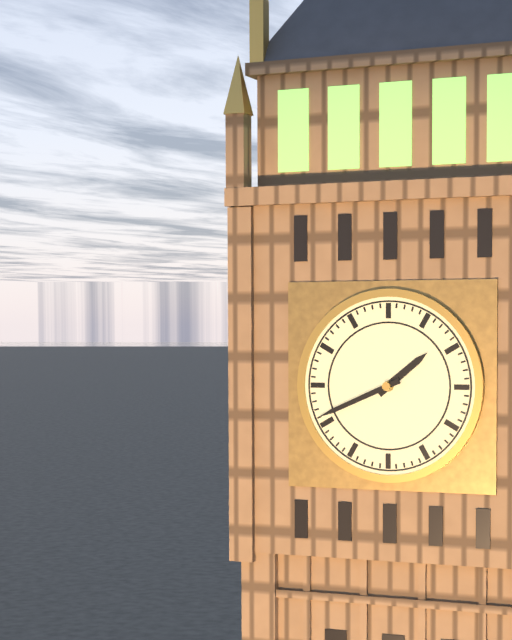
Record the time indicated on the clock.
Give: 1:41
